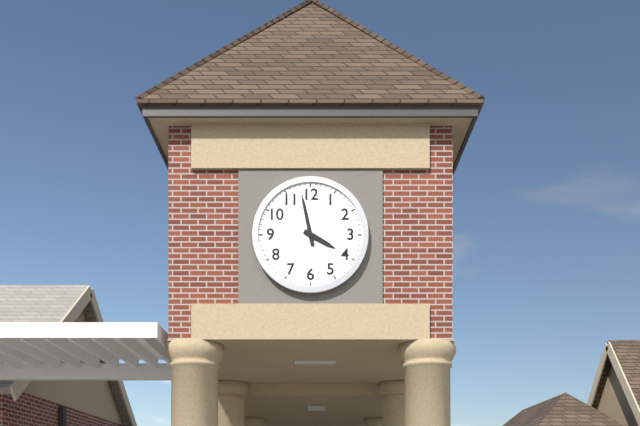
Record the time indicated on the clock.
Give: 3:58
